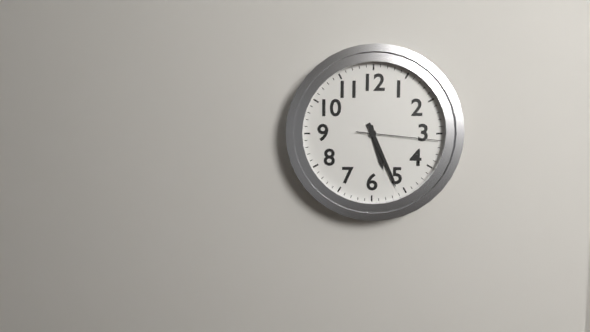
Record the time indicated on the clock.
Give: 5:26:16
